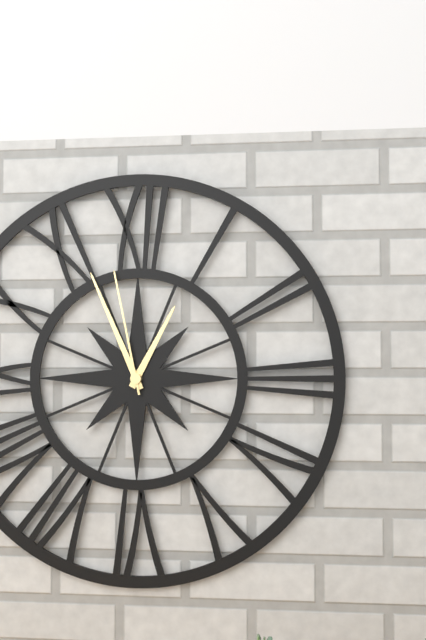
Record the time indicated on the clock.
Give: 12:56:58
